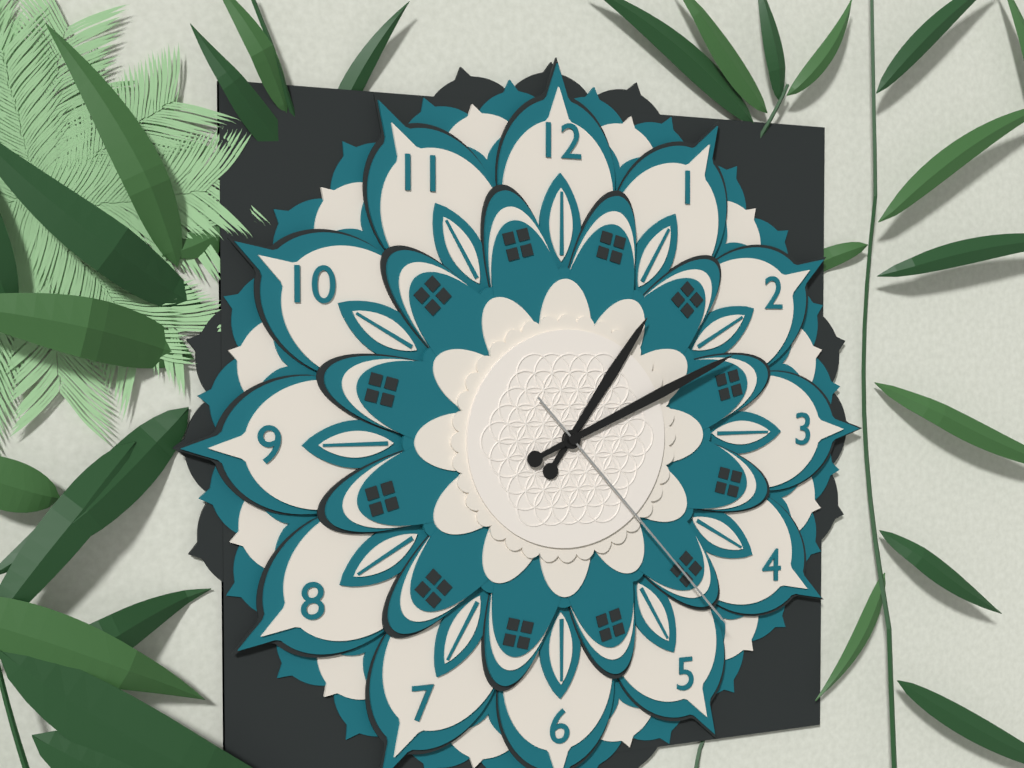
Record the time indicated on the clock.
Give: 1:11:23
